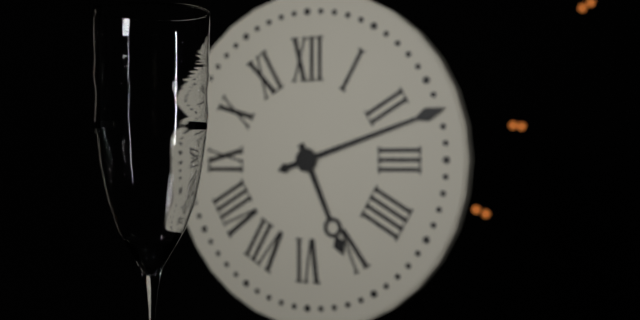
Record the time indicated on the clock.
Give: 5:12
